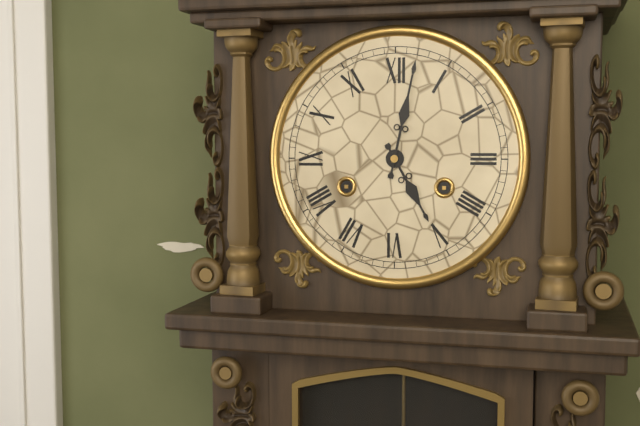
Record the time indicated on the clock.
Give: 5:02
